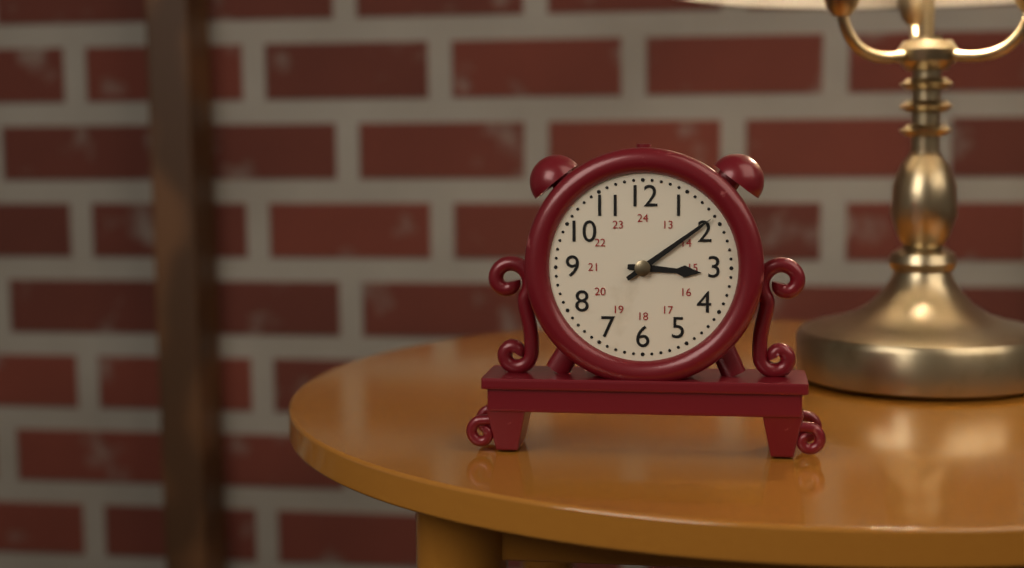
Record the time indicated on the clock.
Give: 3:09
